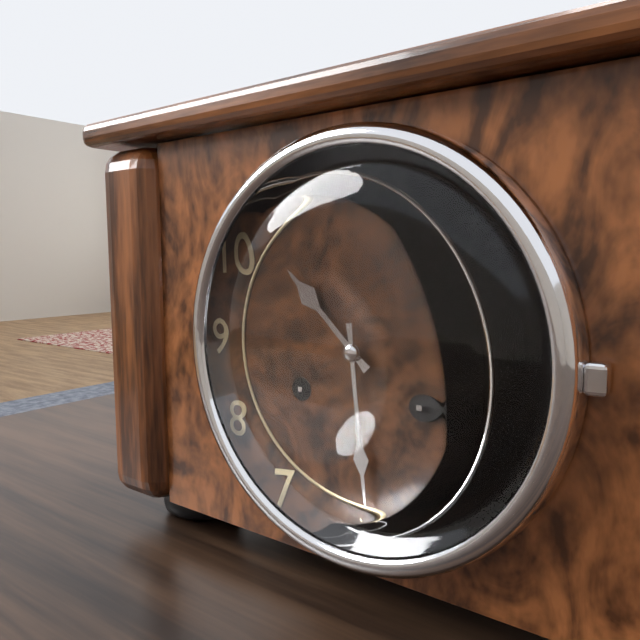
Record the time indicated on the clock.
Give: 10:29
